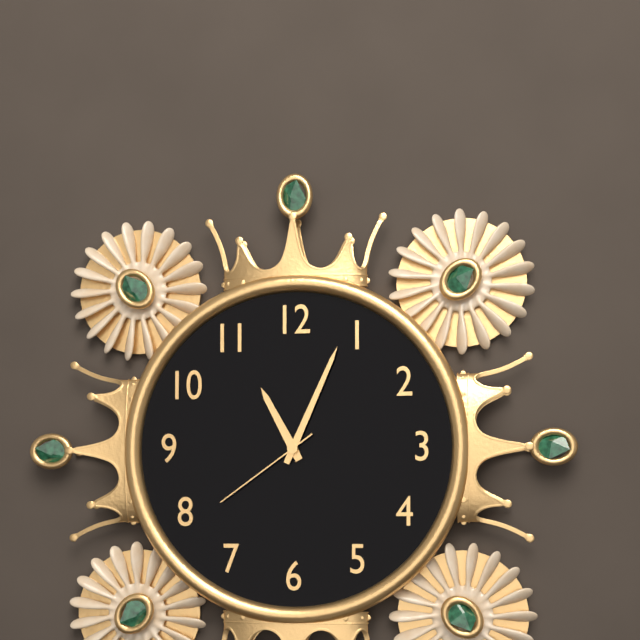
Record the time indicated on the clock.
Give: 11:04:39
